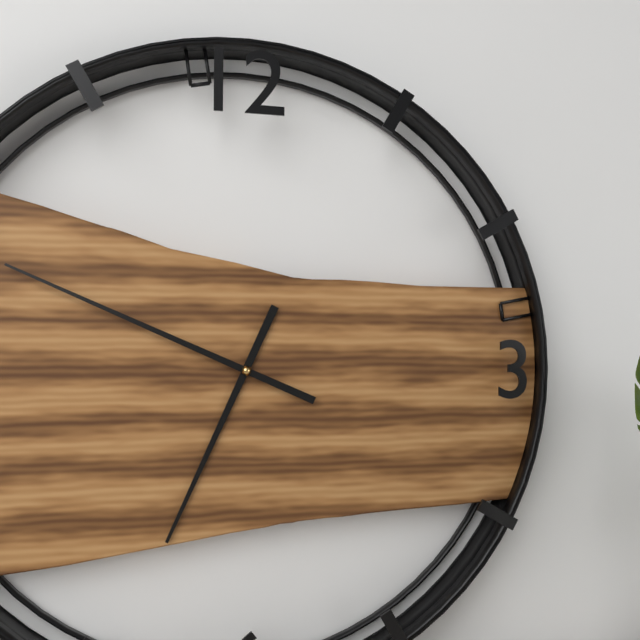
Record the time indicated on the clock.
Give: 6:49
